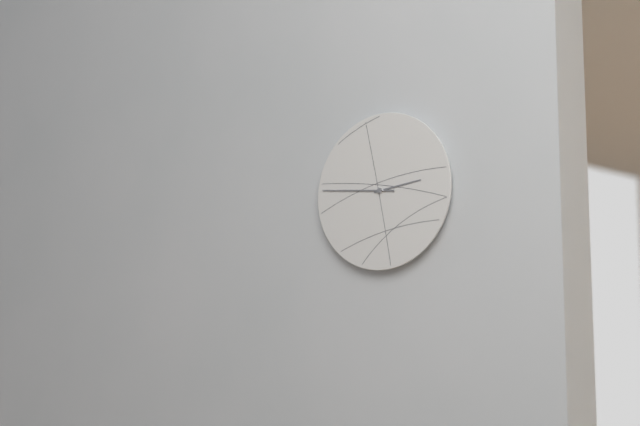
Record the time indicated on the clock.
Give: 2:46
